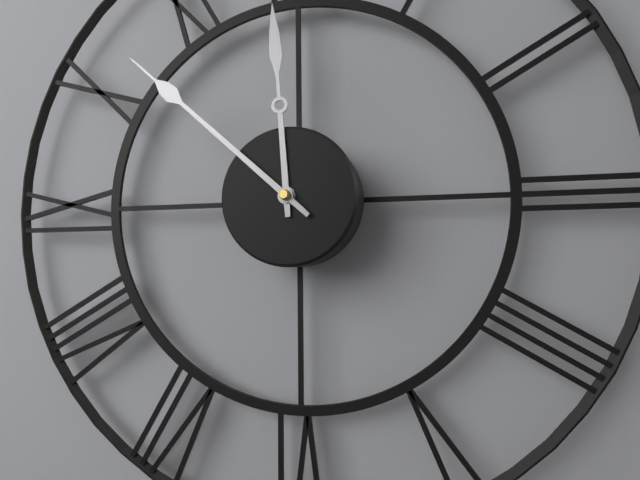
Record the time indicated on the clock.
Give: 11:52
